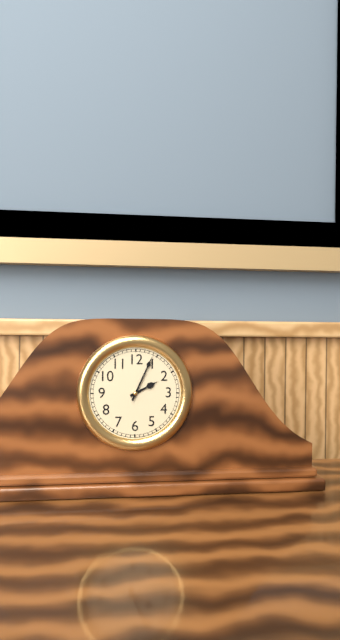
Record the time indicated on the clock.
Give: 2:04
